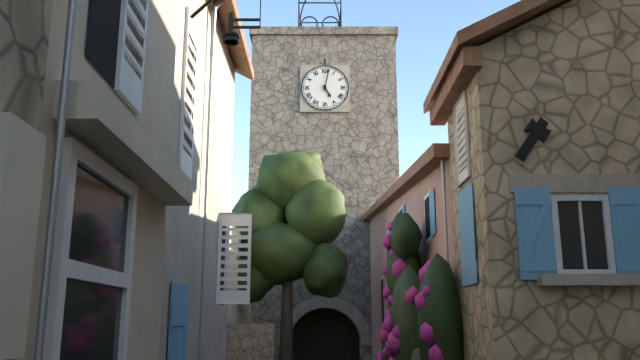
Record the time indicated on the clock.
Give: 5:02
